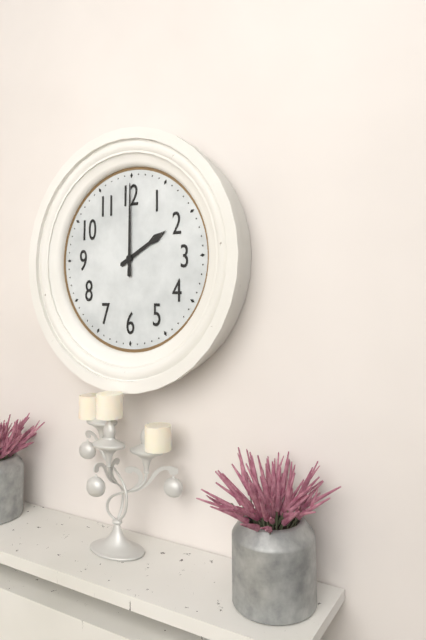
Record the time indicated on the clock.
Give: 2:00
